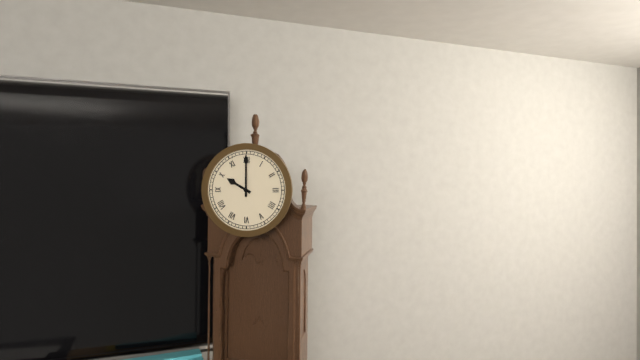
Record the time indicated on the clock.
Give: 10:00
